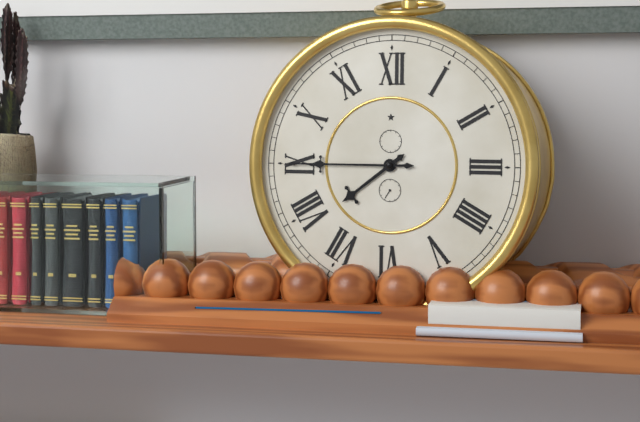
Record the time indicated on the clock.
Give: 7:45
